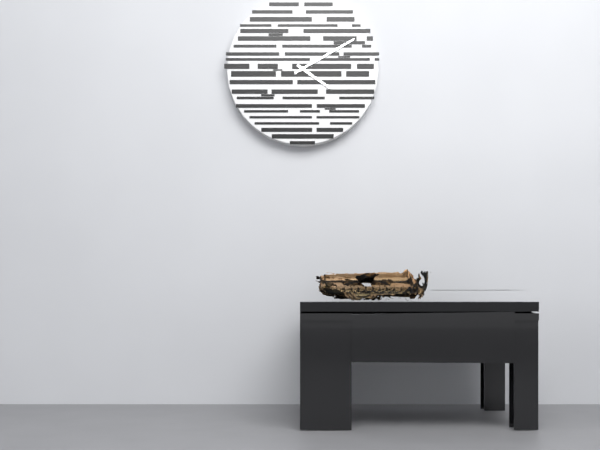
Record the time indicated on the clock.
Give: 4:10
